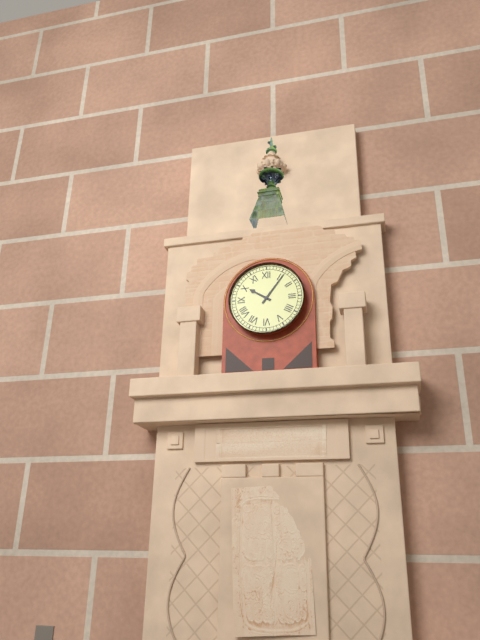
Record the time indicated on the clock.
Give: 10:06
